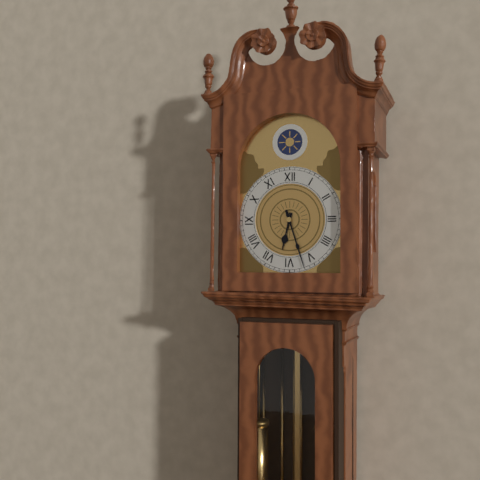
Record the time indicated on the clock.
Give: 6:27
